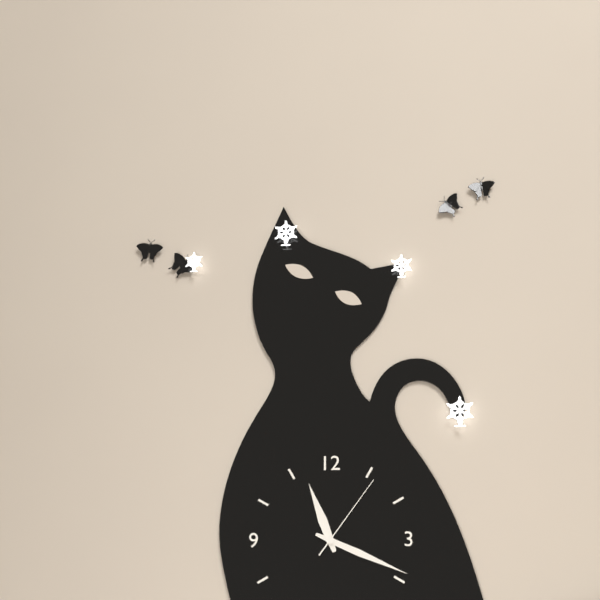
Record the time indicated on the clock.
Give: 11:19:06
